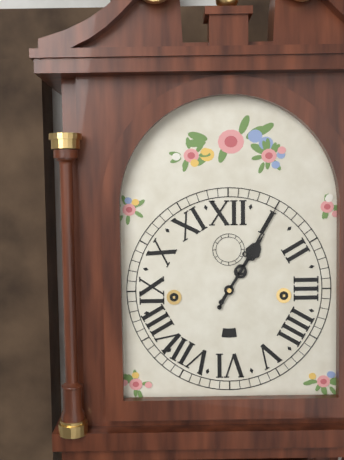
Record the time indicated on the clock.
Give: 1:05
